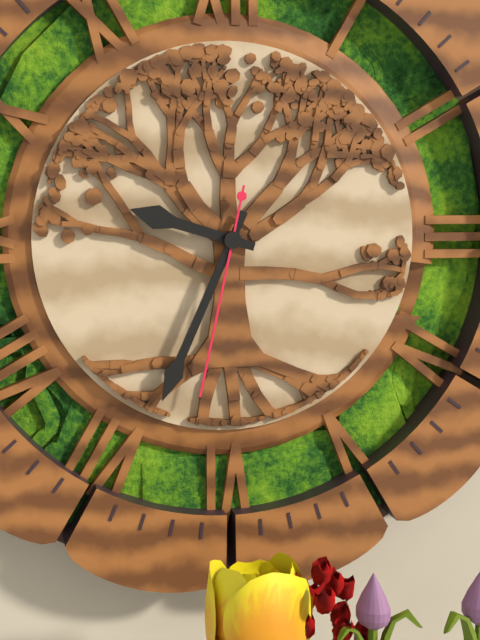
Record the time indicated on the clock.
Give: 9:34:32
